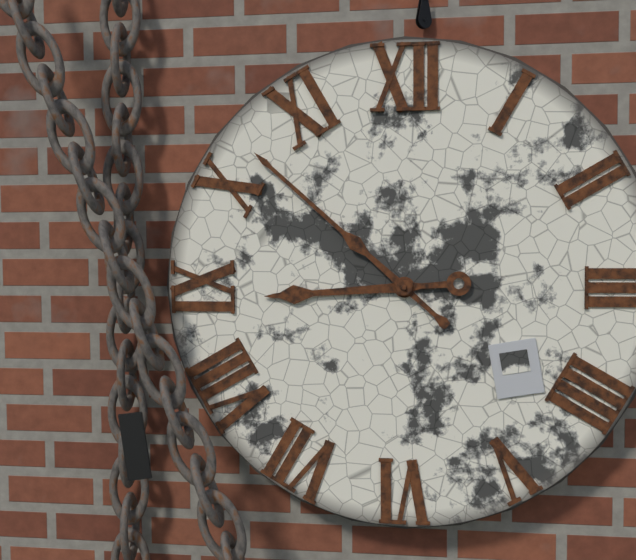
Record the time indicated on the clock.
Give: 8:52
